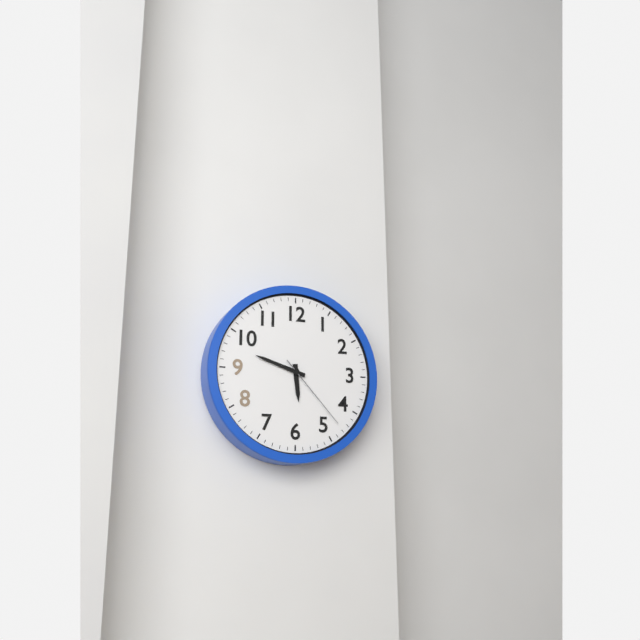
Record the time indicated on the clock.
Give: 5:48:23
